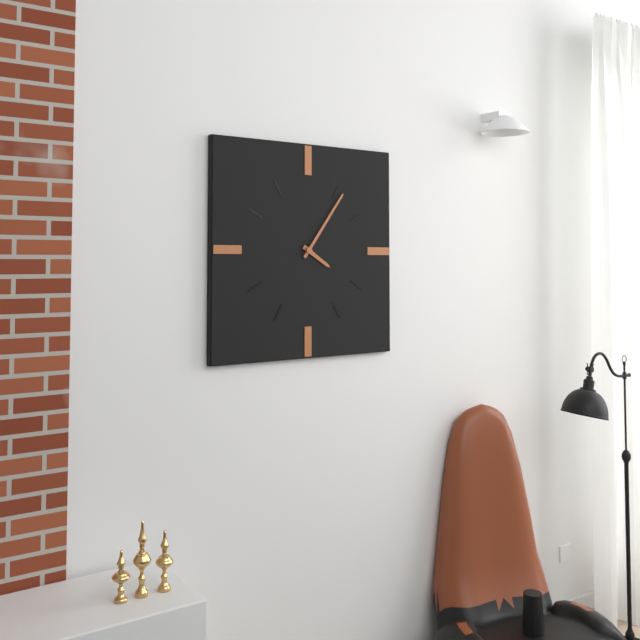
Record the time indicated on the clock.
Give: 4:06
